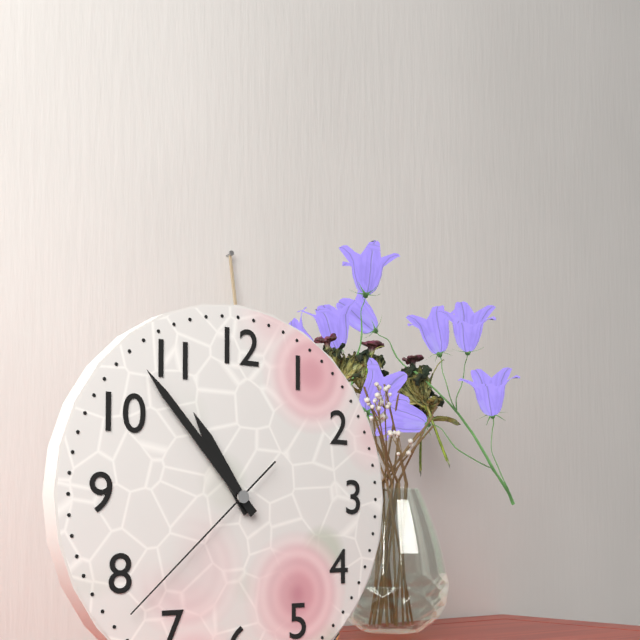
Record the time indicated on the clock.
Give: 10:53:38
